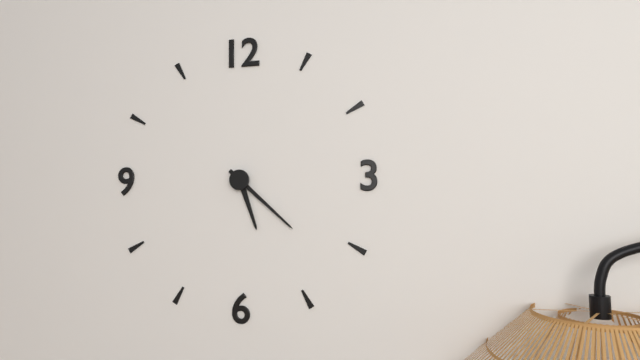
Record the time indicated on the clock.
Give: 5:22
